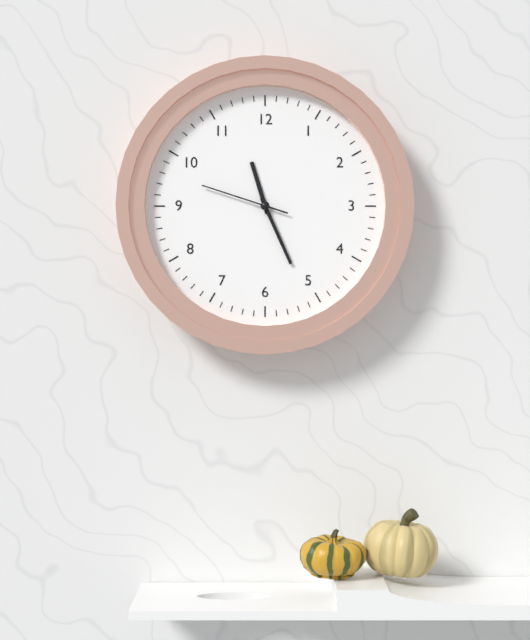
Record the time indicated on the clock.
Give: 11:26:48
